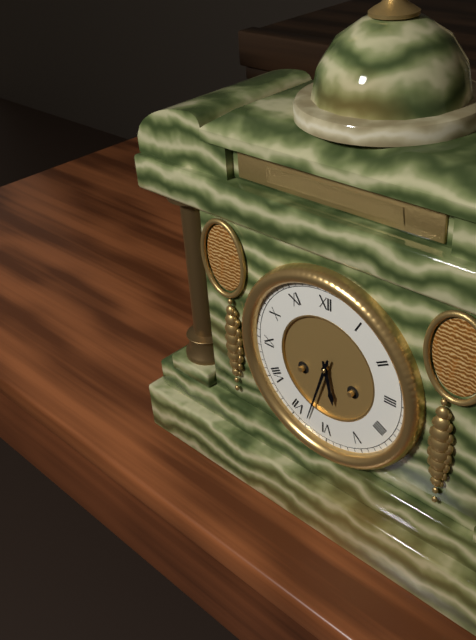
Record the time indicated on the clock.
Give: 5:33
